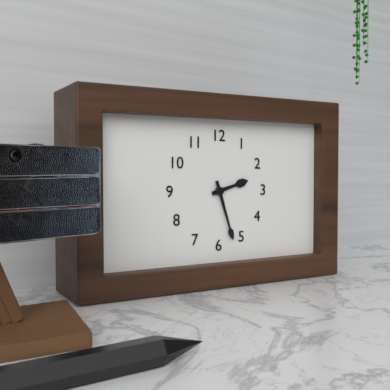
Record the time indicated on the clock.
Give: 2:27
